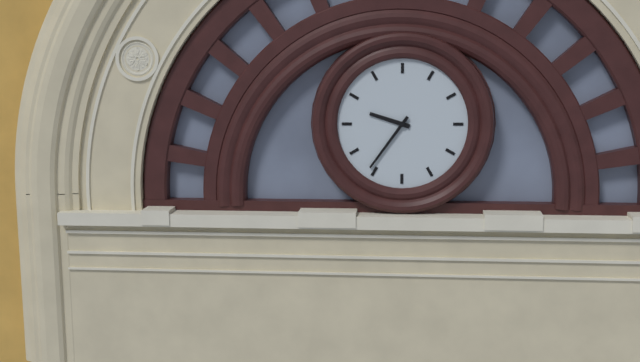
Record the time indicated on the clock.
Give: 9:36
